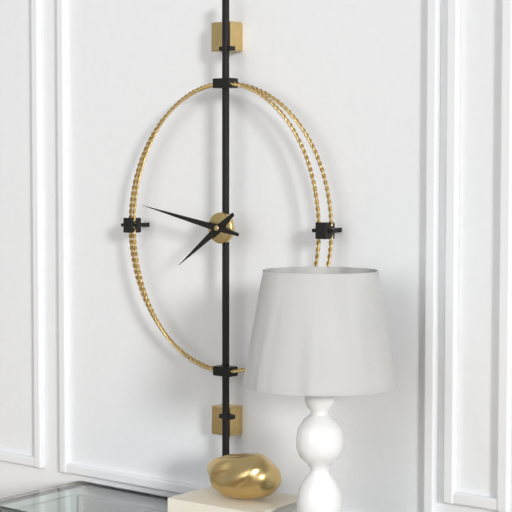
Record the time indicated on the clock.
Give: 7:47
